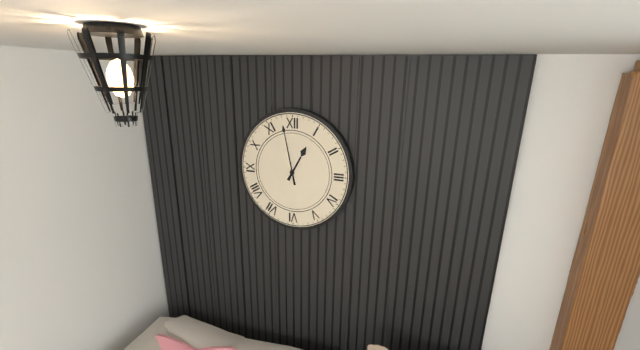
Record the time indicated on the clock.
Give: 12:58
